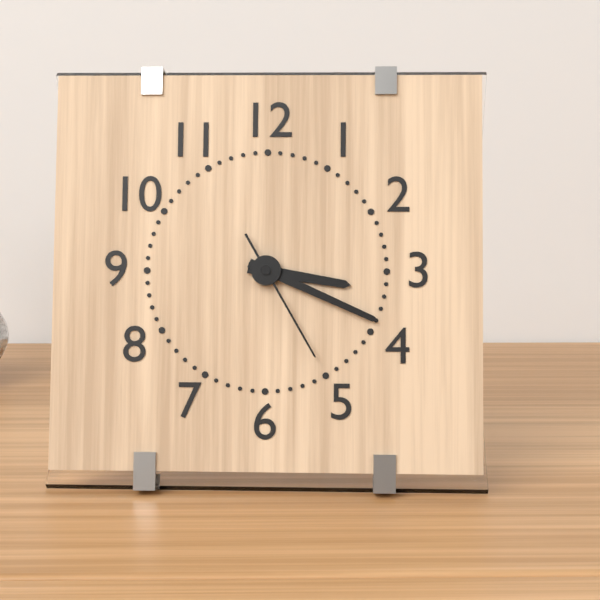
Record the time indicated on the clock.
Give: 3:19:25
